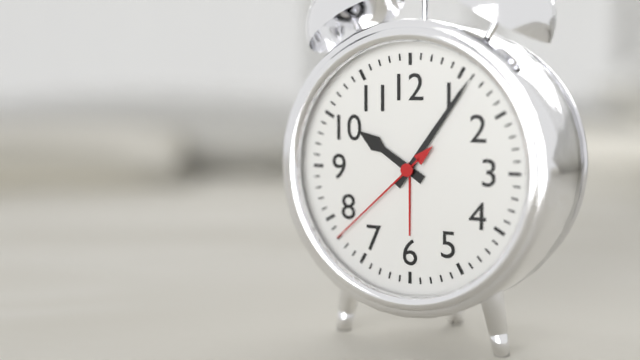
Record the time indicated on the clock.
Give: 10:06:38
